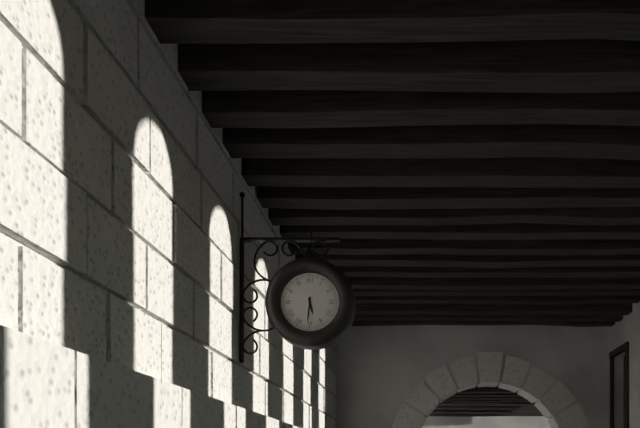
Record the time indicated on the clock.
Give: 5:31
